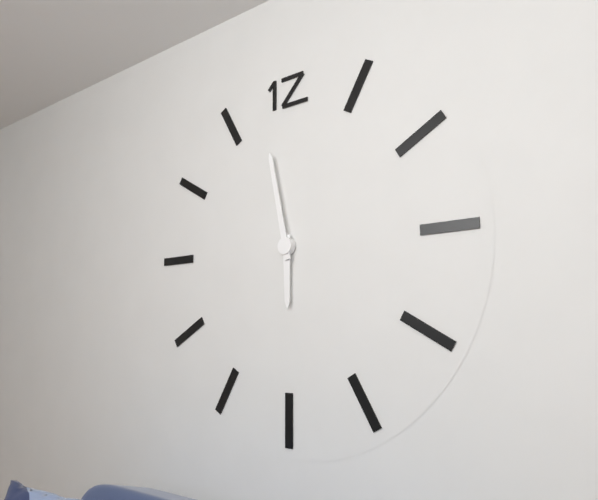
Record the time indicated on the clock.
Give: 5:58
